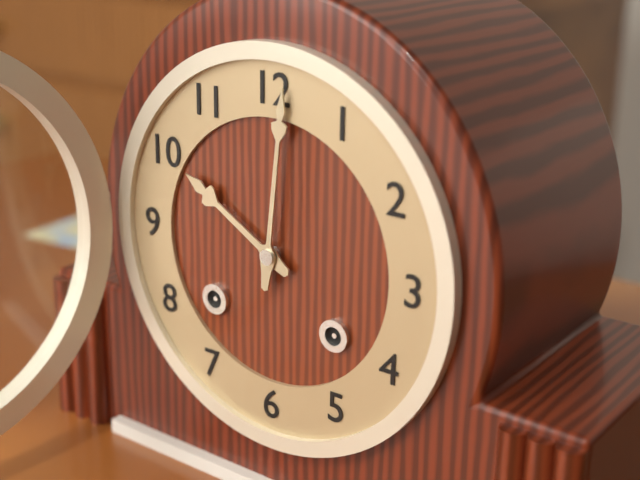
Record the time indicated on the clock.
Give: 10:01
